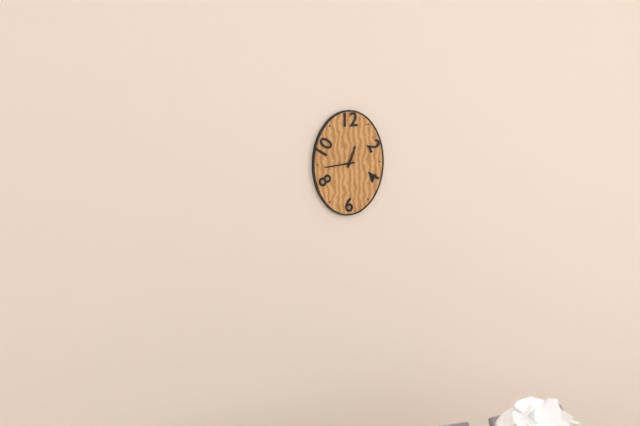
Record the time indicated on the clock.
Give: 12:44
